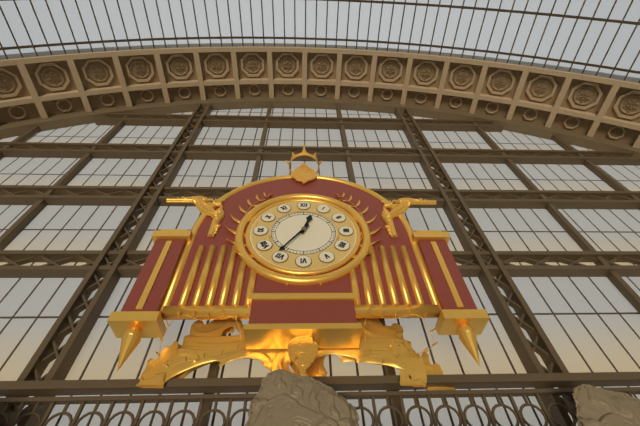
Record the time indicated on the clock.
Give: 12:36
